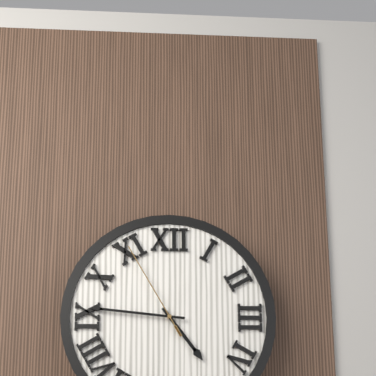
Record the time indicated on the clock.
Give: 4:46:55
